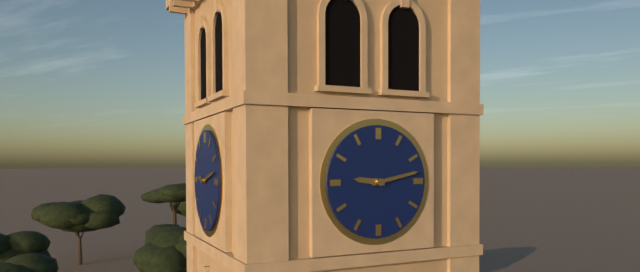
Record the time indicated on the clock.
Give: 9:13
